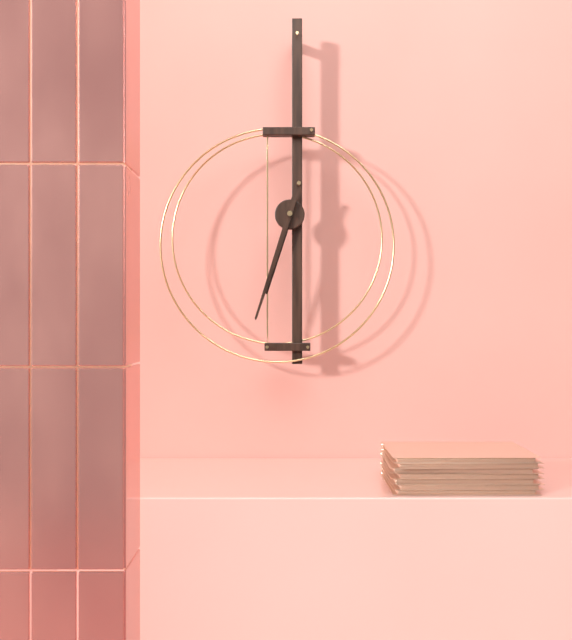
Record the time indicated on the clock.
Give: 6:33
